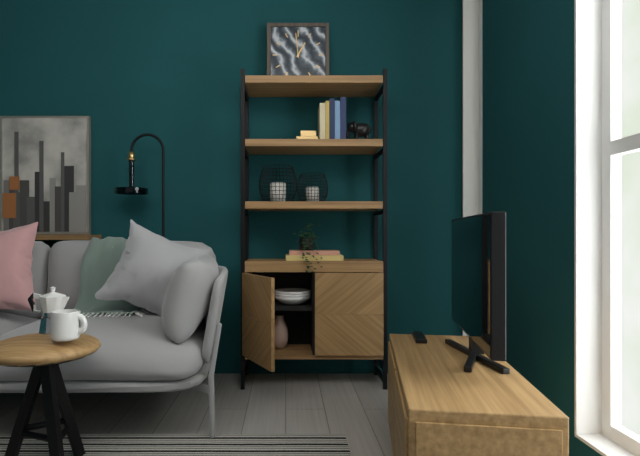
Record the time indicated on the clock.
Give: 12:59
